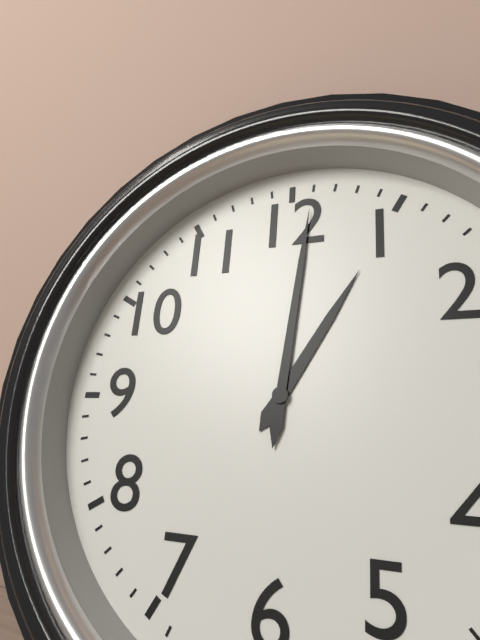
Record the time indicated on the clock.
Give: 1:01
